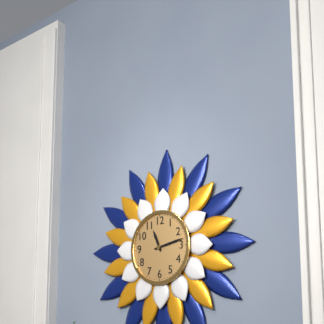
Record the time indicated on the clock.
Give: 11:13
